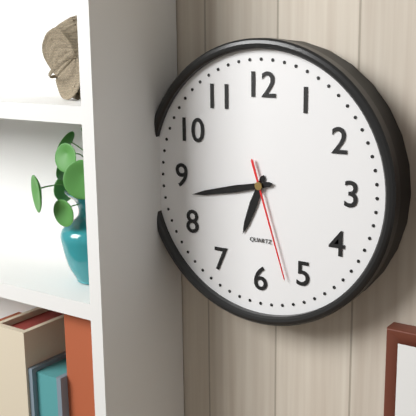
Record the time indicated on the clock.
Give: 6:43:27
